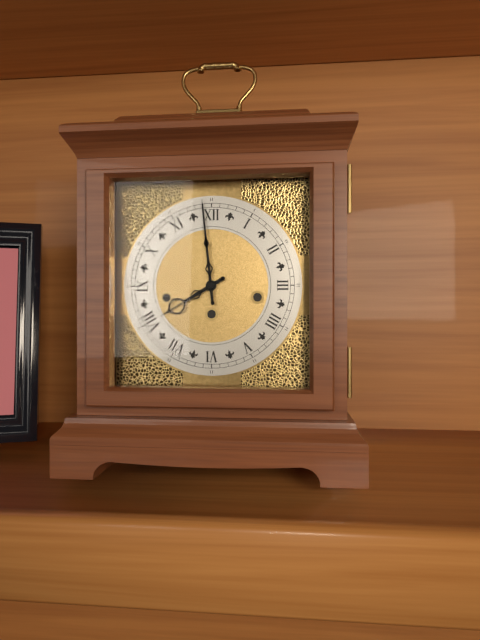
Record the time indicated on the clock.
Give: 7:59
